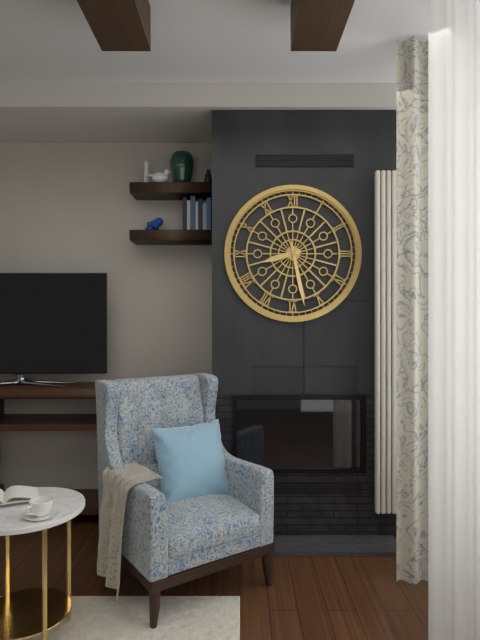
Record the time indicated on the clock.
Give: 8:28
